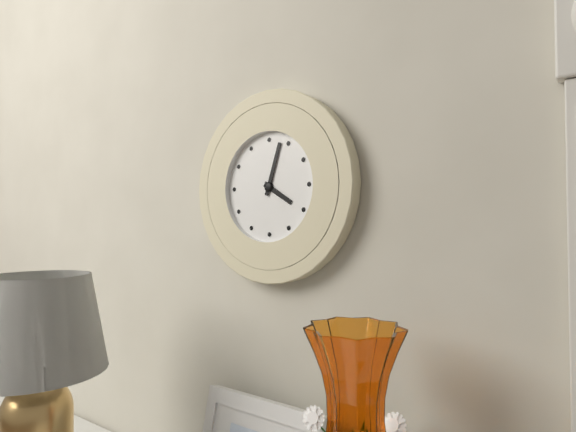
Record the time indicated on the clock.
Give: 4:03
